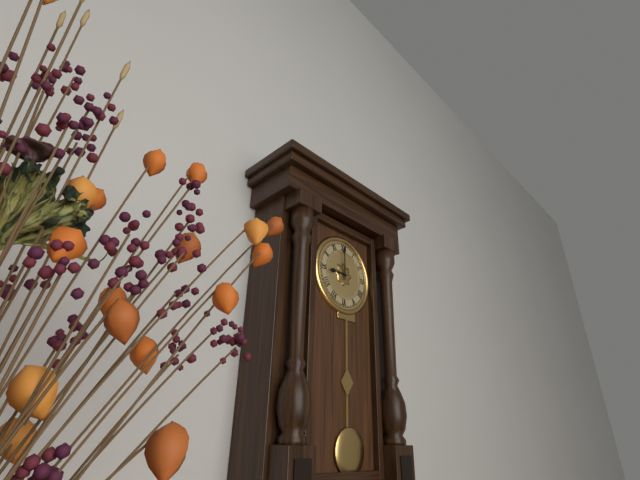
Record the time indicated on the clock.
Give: 9:00
